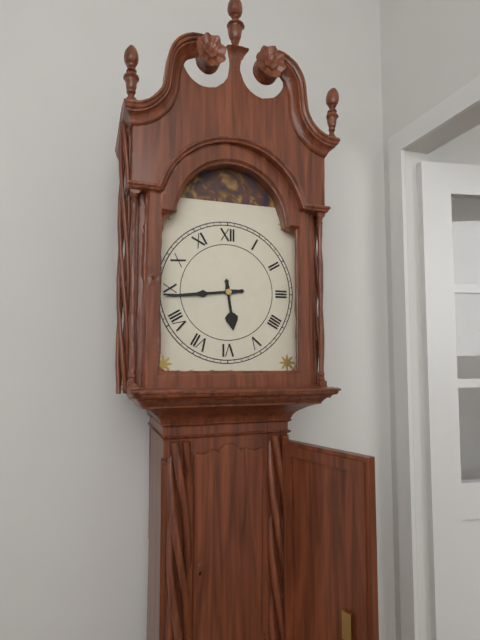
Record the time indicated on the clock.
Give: 5:44
